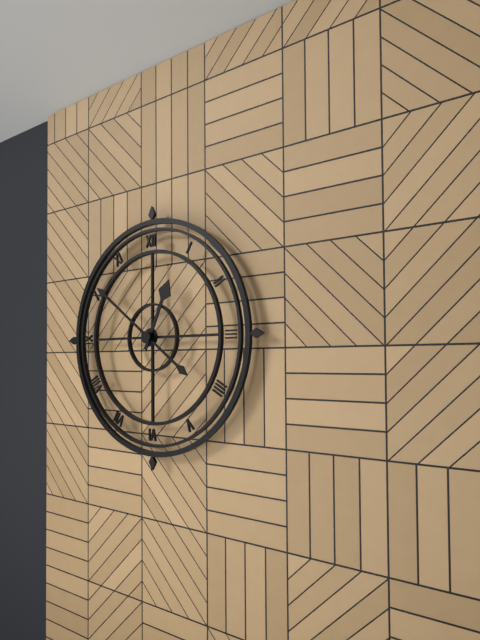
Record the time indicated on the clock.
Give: 12:51
